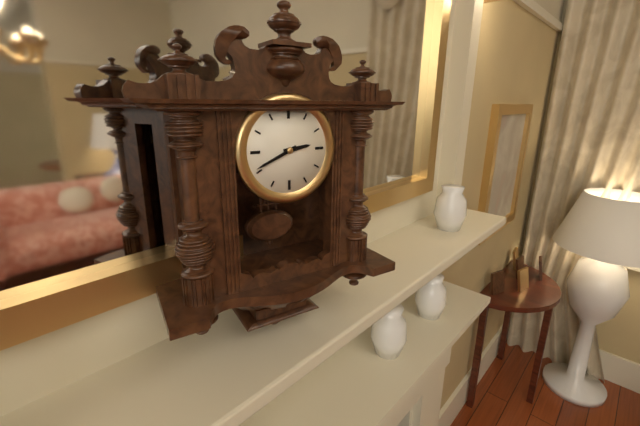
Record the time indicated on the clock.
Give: 2:41
